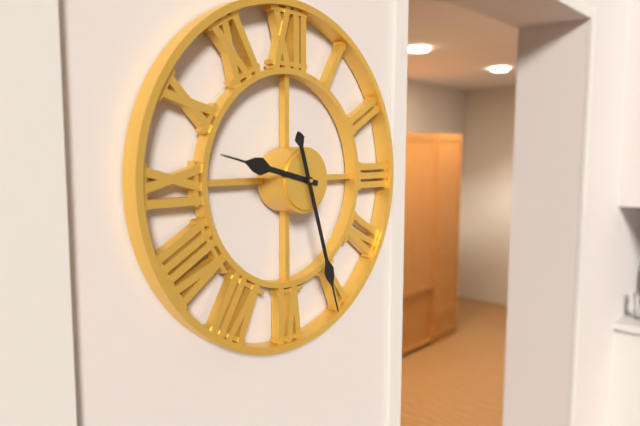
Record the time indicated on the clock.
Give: 9:27
